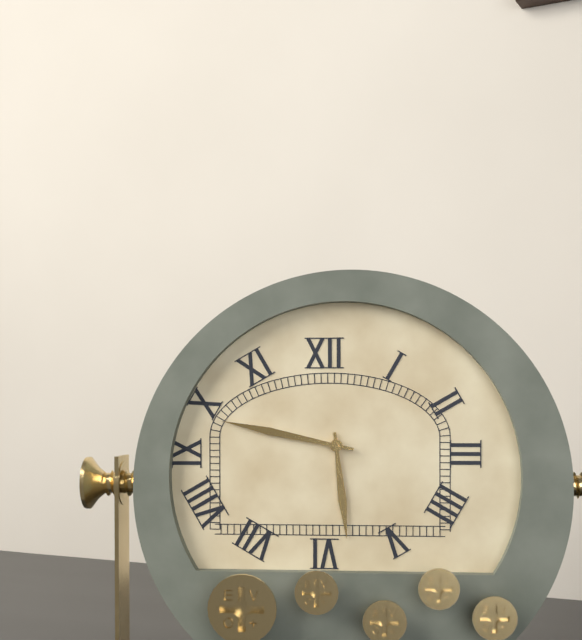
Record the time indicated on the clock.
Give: 5:47
